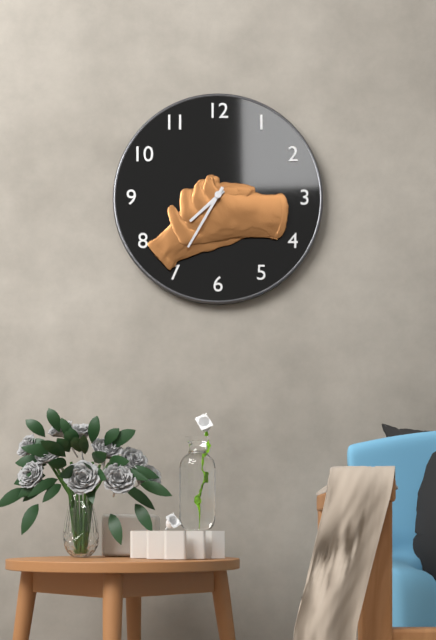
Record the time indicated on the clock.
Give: 7:35
